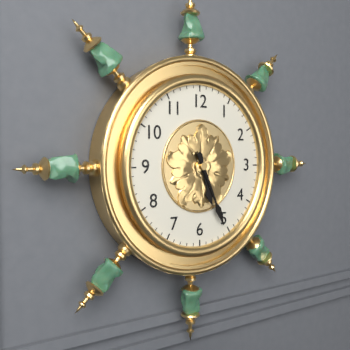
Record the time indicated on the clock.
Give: 5:26
